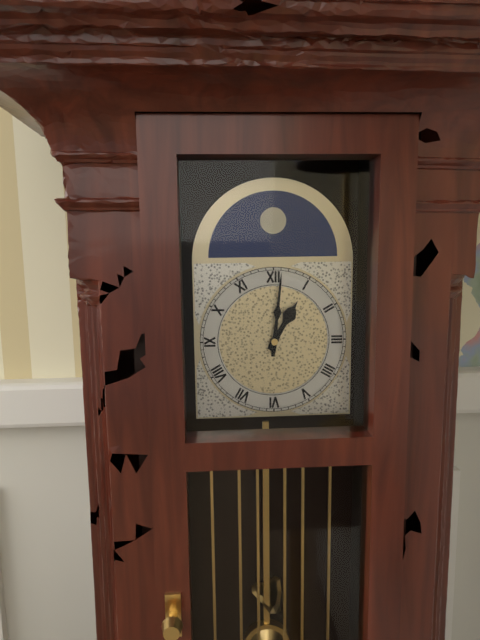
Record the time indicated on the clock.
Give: 1:01
